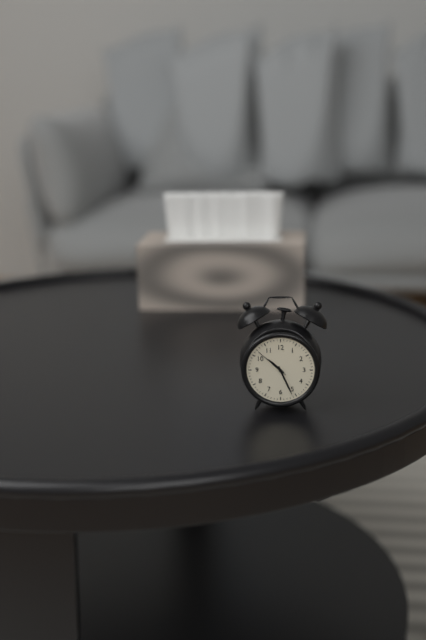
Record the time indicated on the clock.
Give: 10:26
